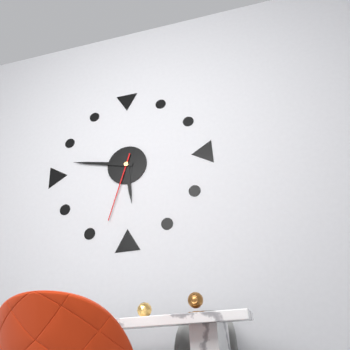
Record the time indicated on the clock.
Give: 5:47:33
